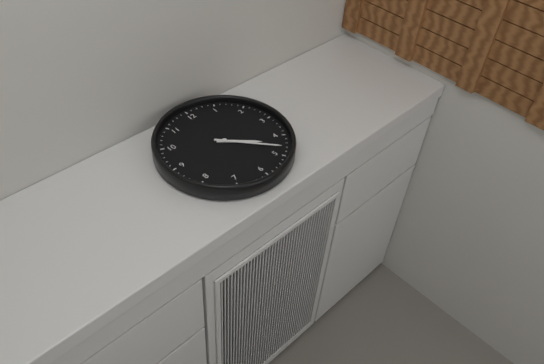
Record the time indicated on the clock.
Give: 4:23
